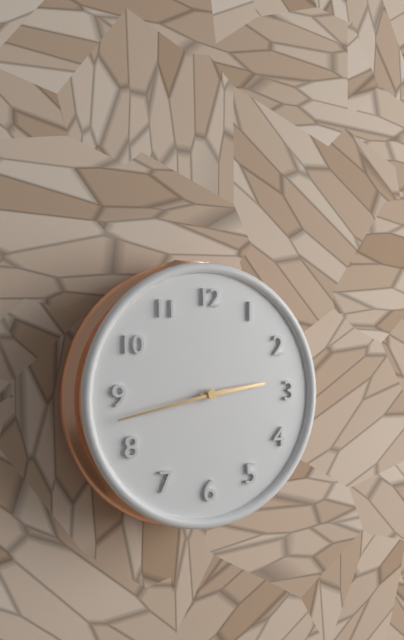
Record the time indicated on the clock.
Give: 2:43
